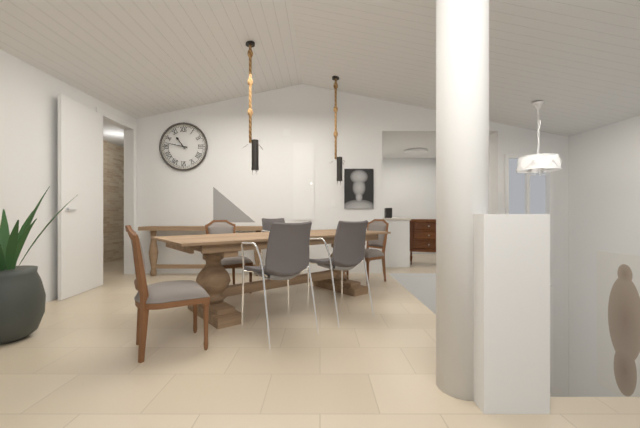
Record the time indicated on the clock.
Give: 10:47
